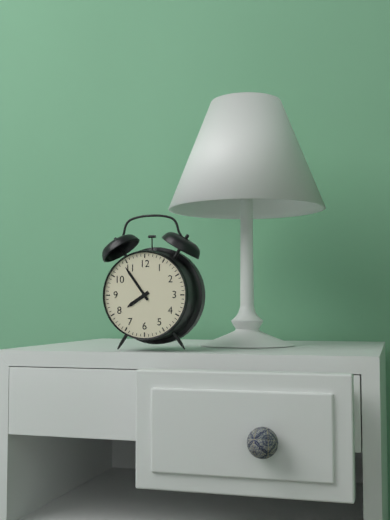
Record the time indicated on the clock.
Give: 7:54
